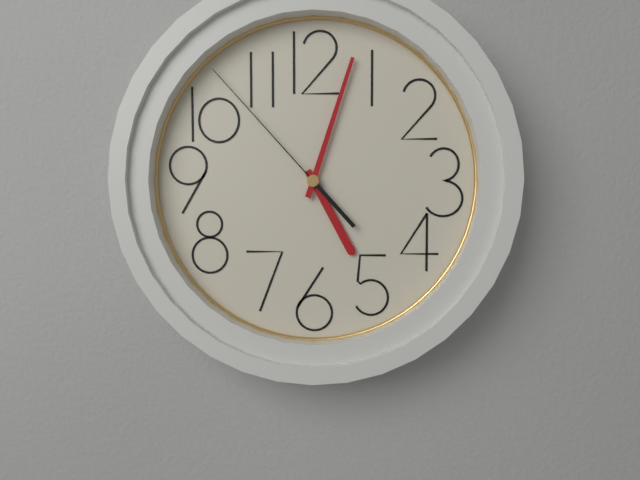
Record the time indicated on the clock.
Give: 5:03:53
